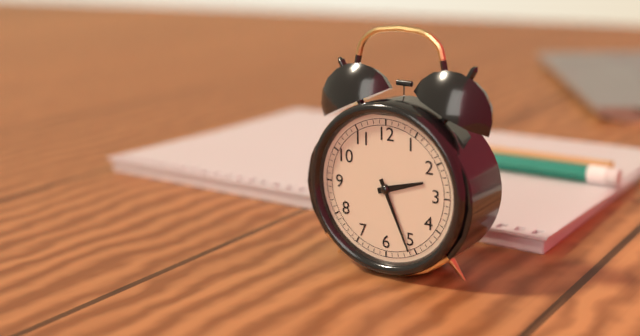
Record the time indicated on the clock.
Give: 2:26
